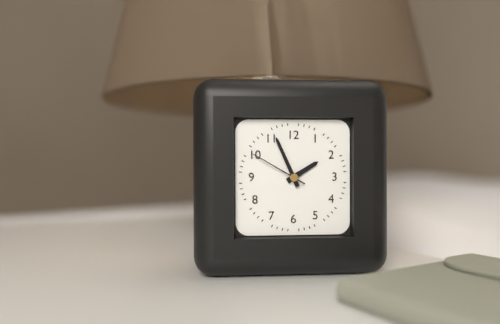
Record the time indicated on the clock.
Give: 1:56:50
